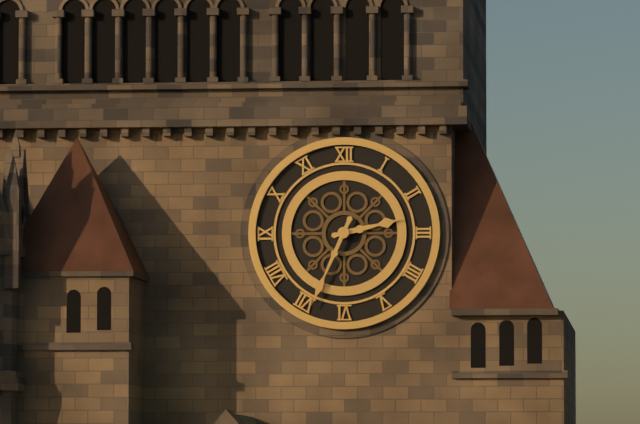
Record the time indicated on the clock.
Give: 2:34
